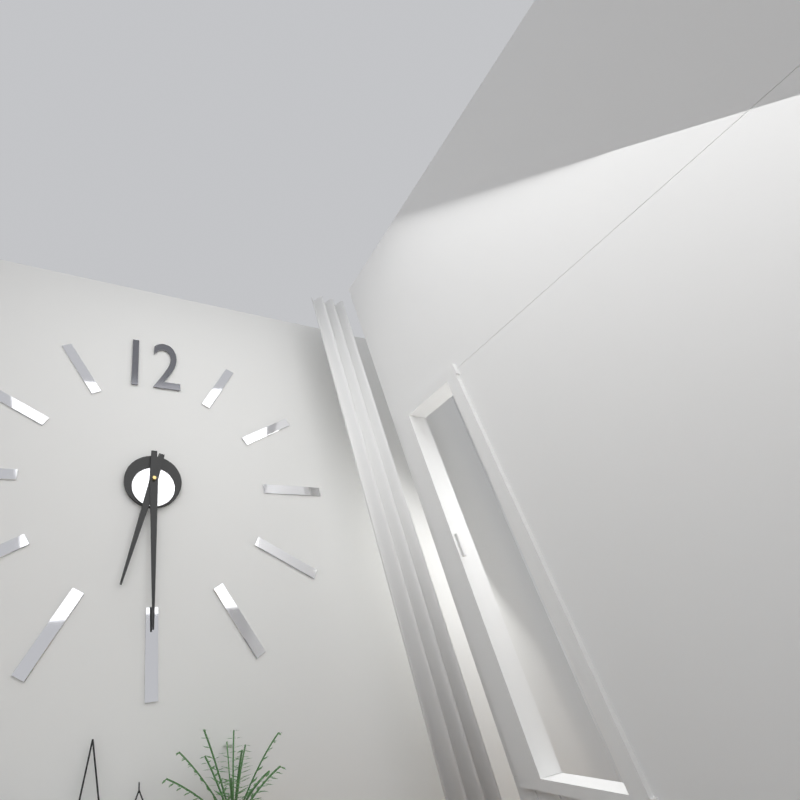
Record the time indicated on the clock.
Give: 6:30
